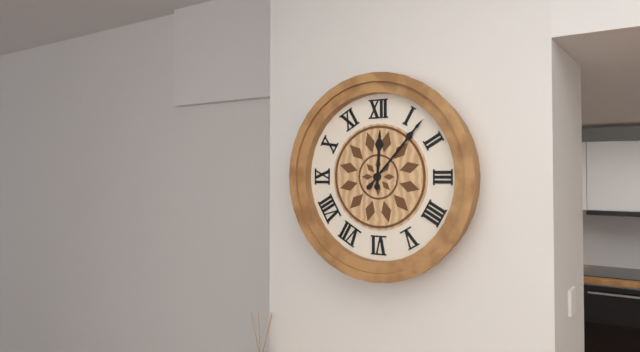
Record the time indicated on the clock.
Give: 12:07
